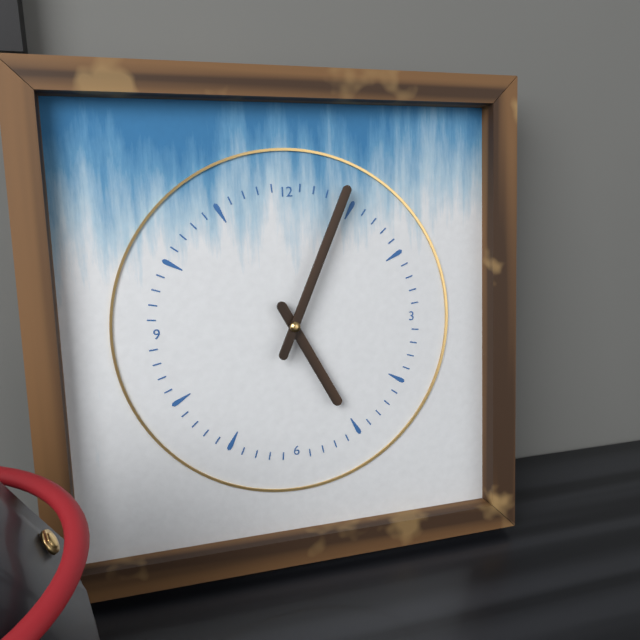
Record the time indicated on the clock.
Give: 5:04
